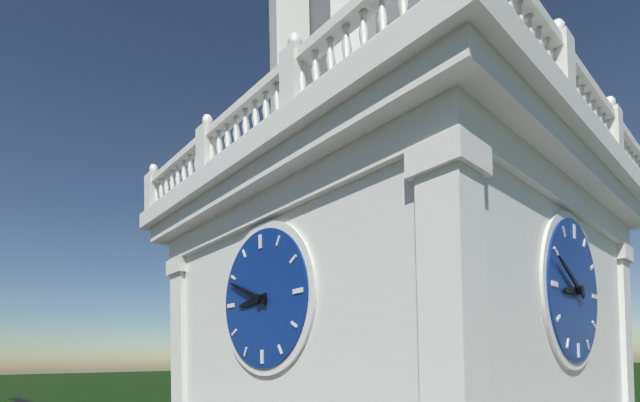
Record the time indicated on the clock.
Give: 8:49
